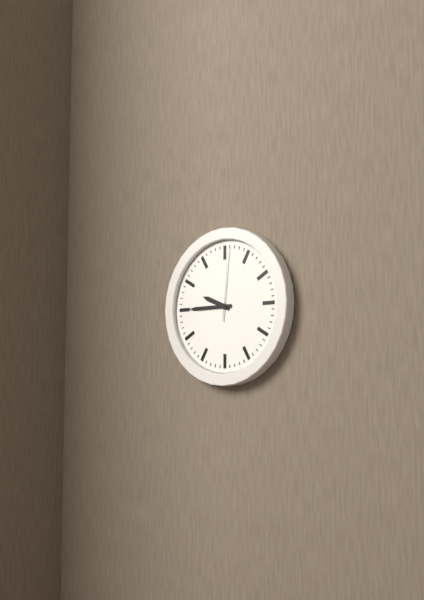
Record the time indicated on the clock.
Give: 9:45:01
